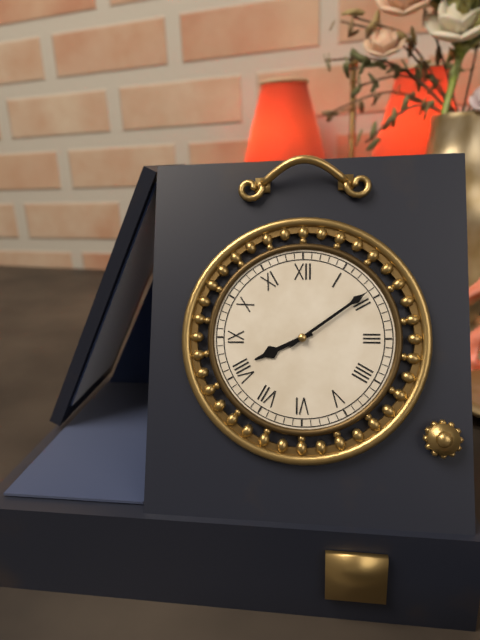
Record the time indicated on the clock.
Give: 8:09
